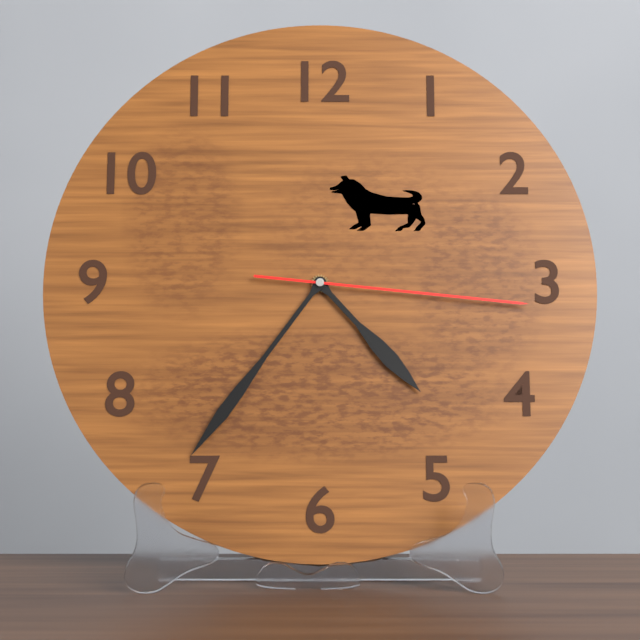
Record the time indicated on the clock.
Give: 4:36:16
